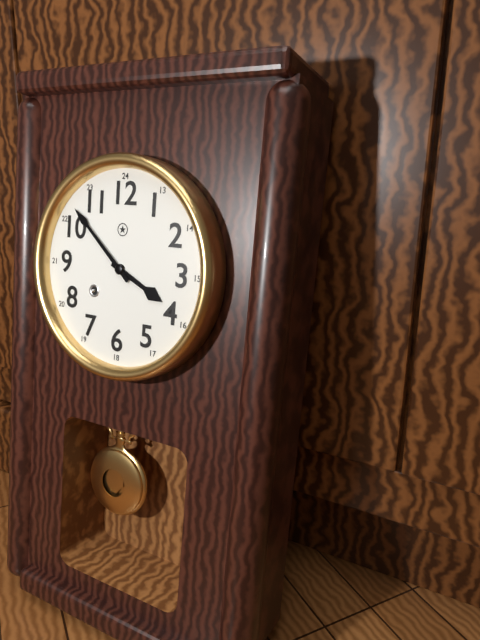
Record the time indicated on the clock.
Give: 3:52
